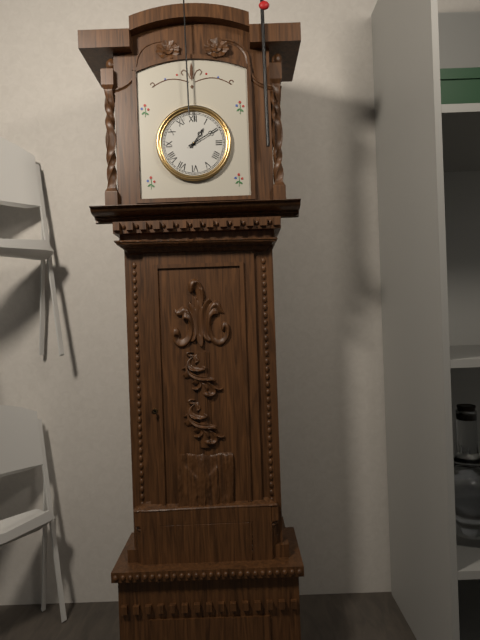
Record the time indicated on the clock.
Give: 1:10
